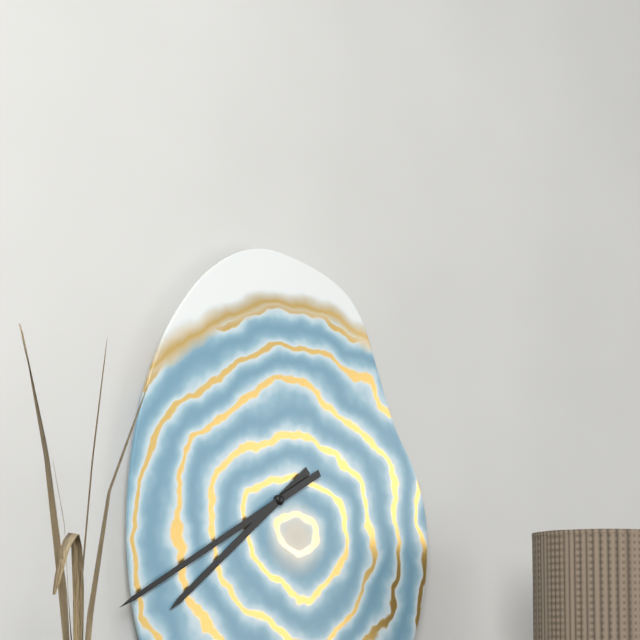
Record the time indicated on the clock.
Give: 7:40
